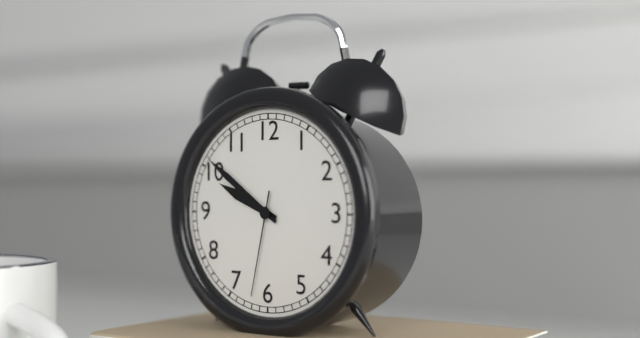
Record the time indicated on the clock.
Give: 9:51:32
